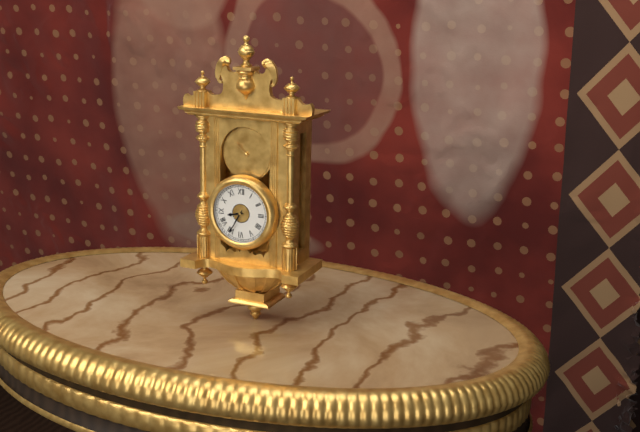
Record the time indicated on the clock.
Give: 8:35
